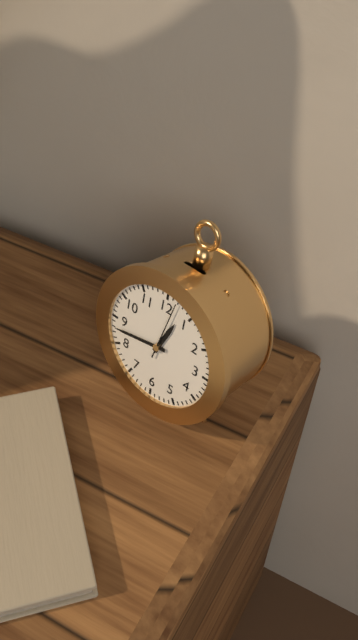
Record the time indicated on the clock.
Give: 12:43:02
